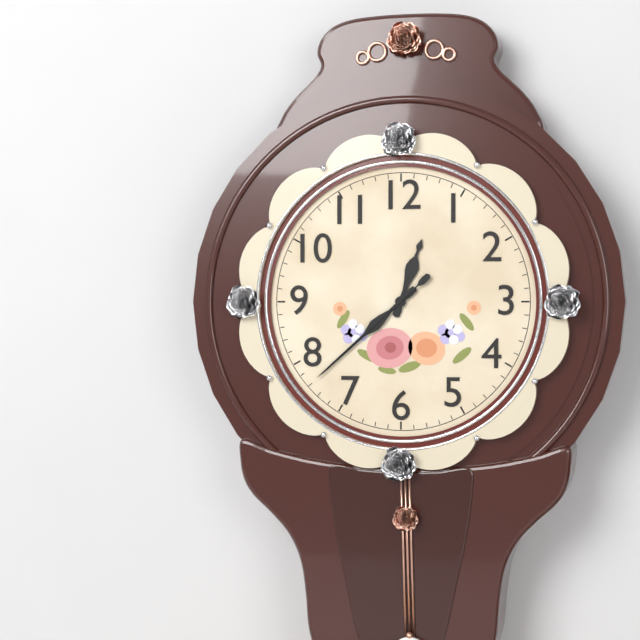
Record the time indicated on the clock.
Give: 12:38:38
